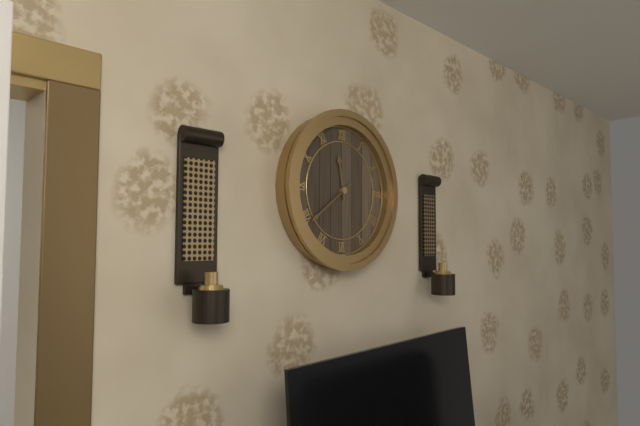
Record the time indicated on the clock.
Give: 11:39
